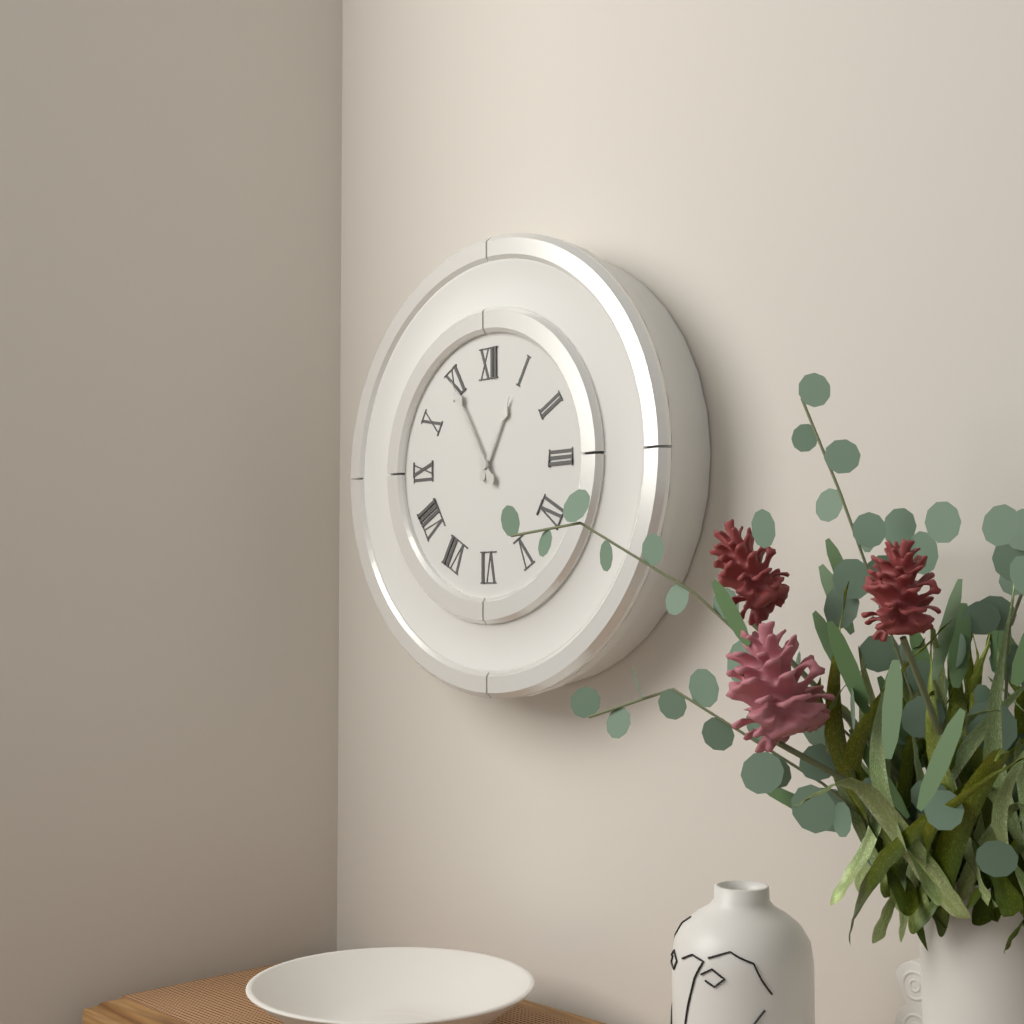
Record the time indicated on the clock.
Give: 12:55
